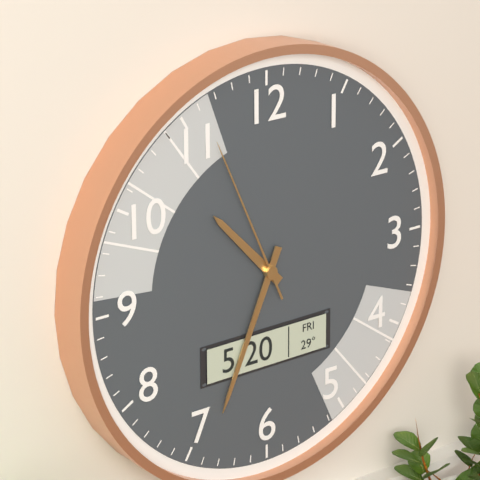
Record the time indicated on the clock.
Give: 10:34:56
